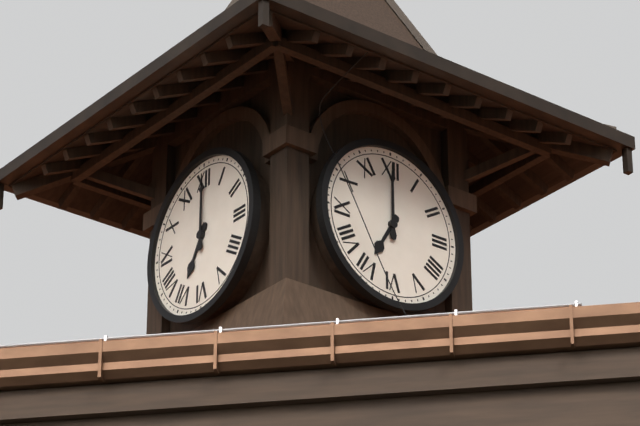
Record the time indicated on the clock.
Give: 7:00
